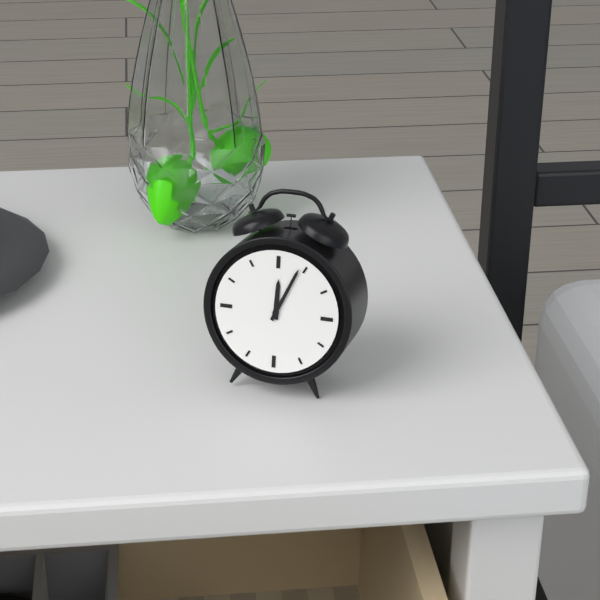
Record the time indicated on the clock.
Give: 12:04
